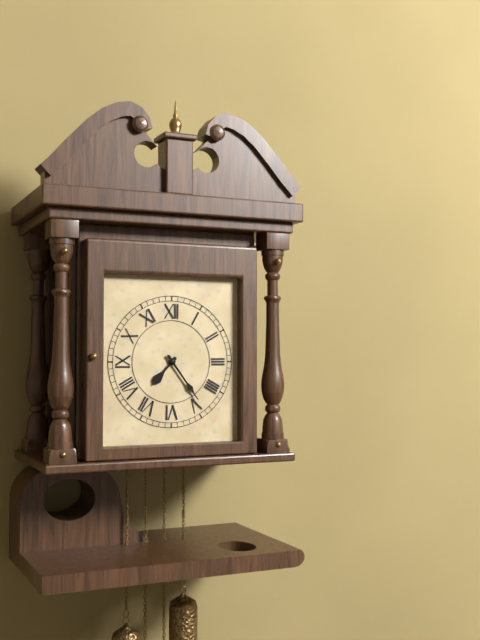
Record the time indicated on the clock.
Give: 7:24
